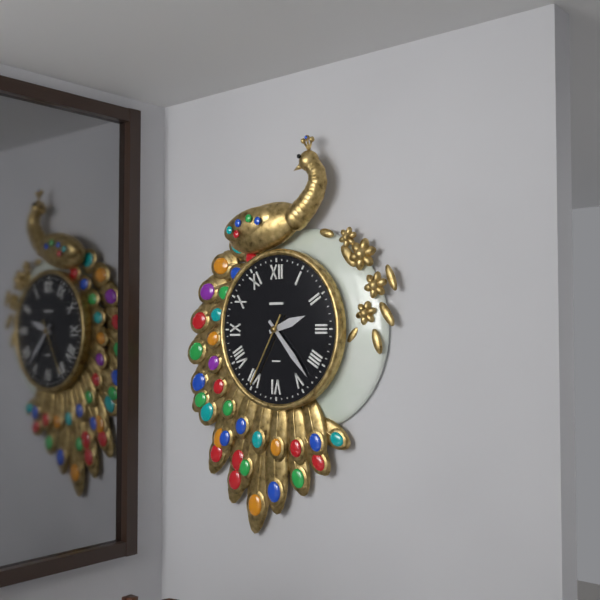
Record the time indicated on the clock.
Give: 2:23:35
